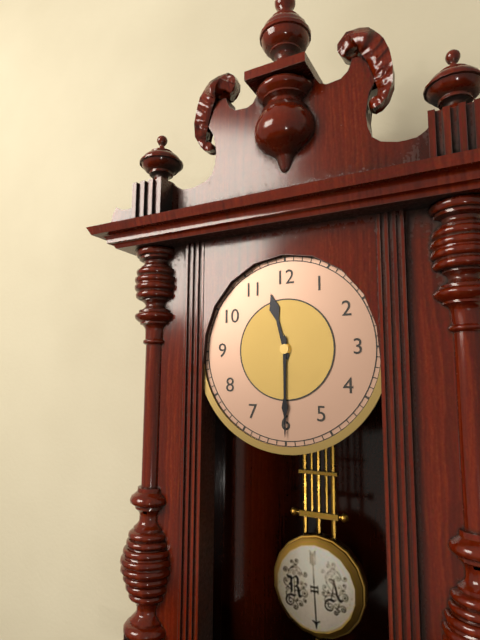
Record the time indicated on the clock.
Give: 11:30
